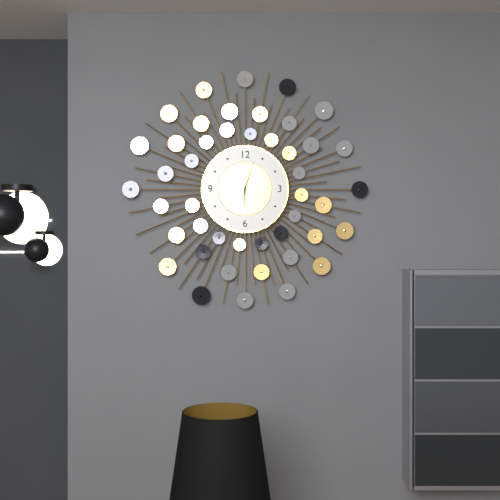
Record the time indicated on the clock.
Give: 6:03
